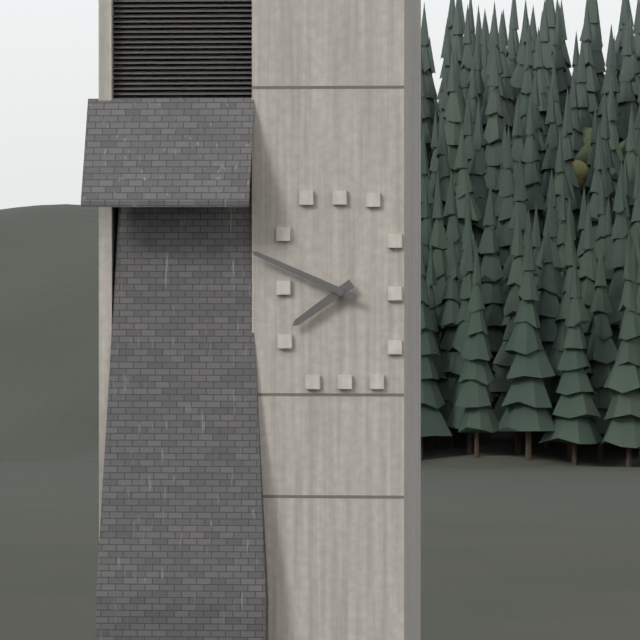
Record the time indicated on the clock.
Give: 7:49
